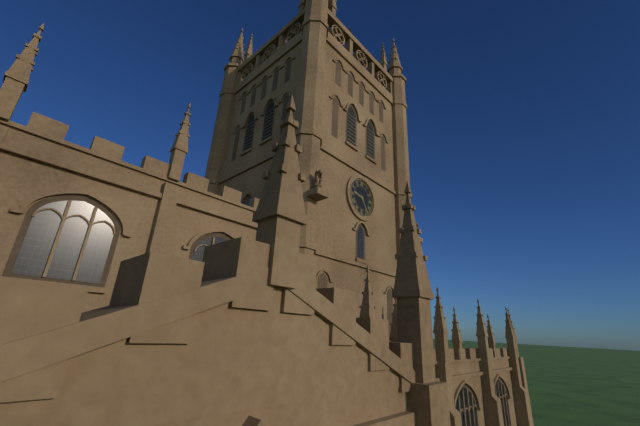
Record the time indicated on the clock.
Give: 9:24
